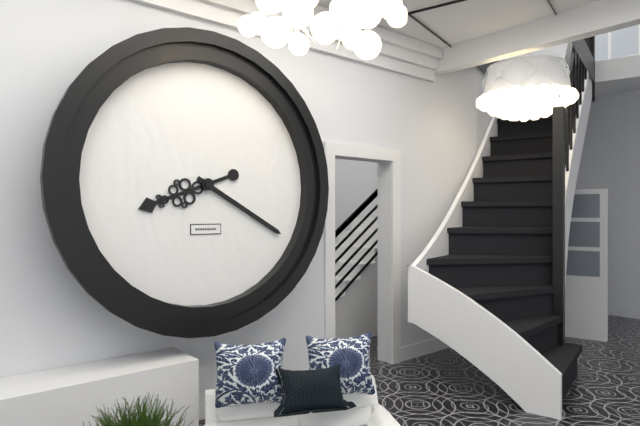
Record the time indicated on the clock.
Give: 8:20
